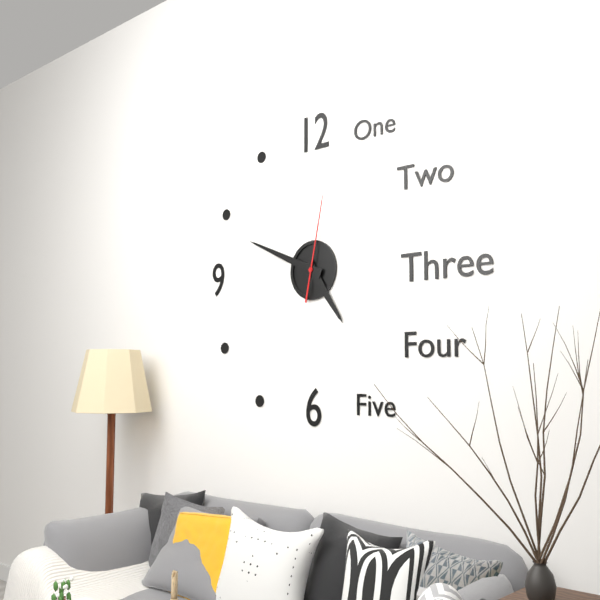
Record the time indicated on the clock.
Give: 4:49:02
